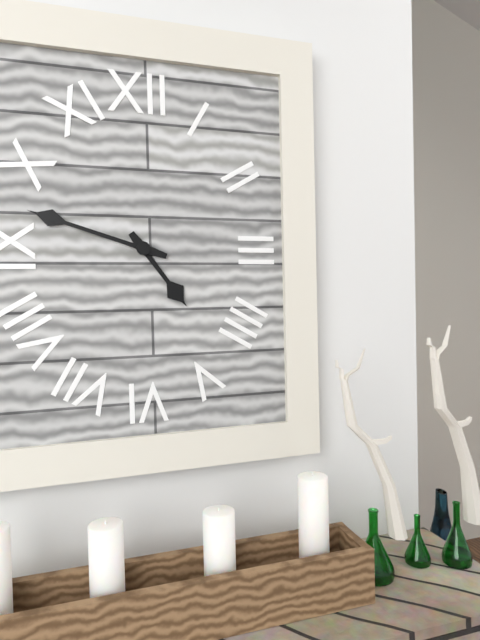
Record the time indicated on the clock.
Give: 4:48
